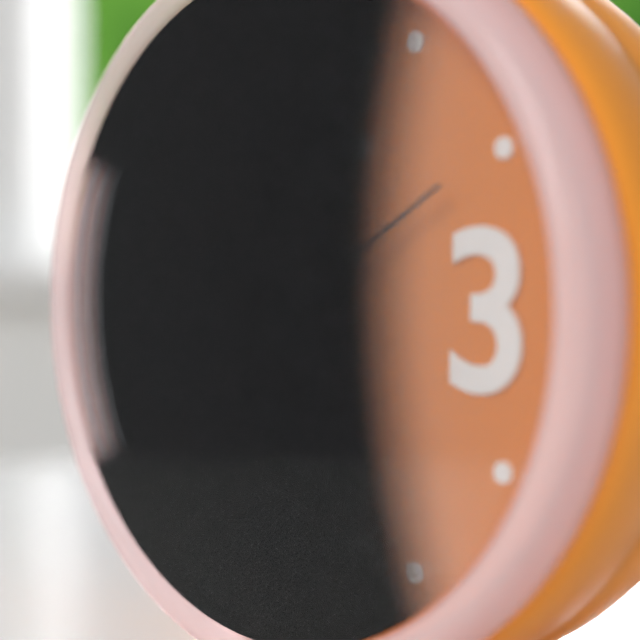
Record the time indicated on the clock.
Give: 5:41:10
